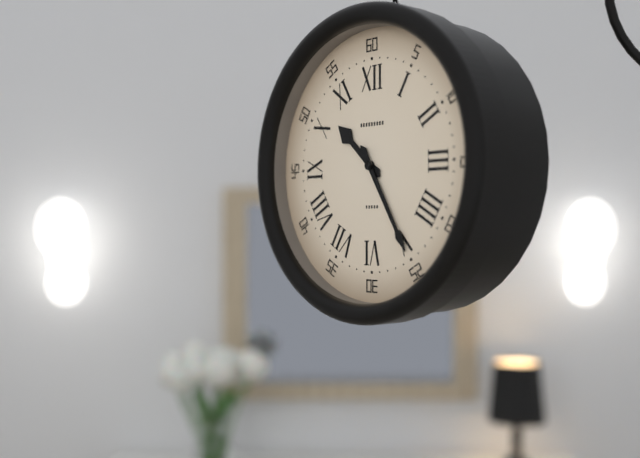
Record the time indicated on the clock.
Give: 10:25
